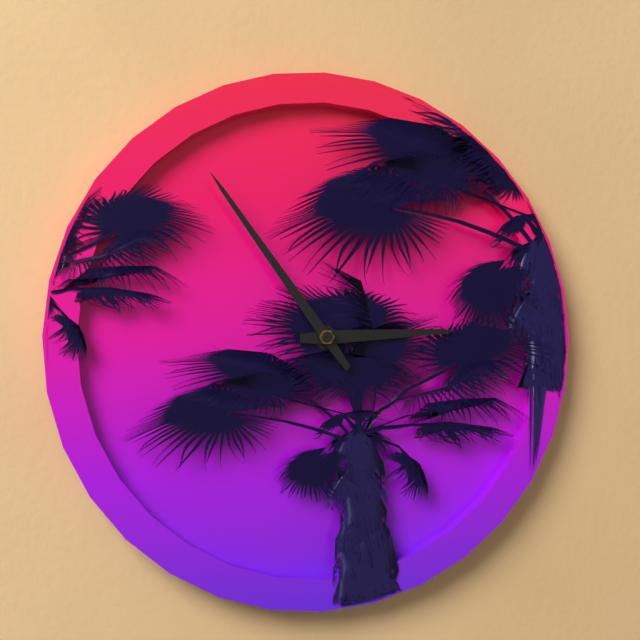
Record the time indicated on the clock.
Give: 2:54
